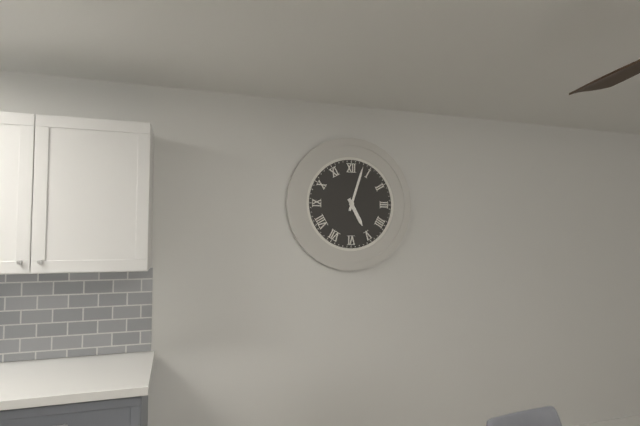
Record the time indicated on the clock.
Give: 5:03
